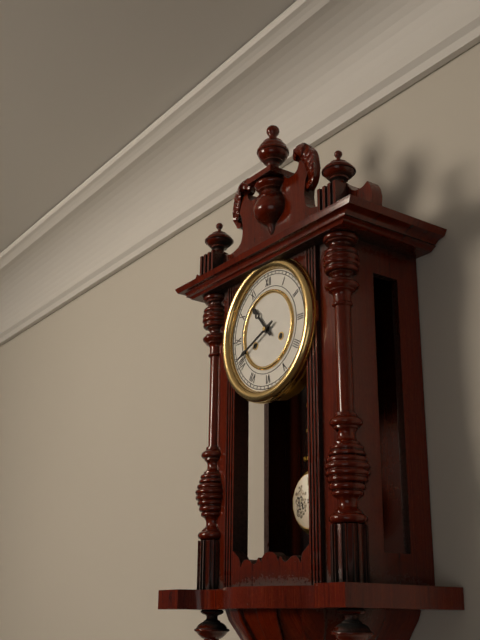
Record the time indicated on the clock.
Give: 10:41
